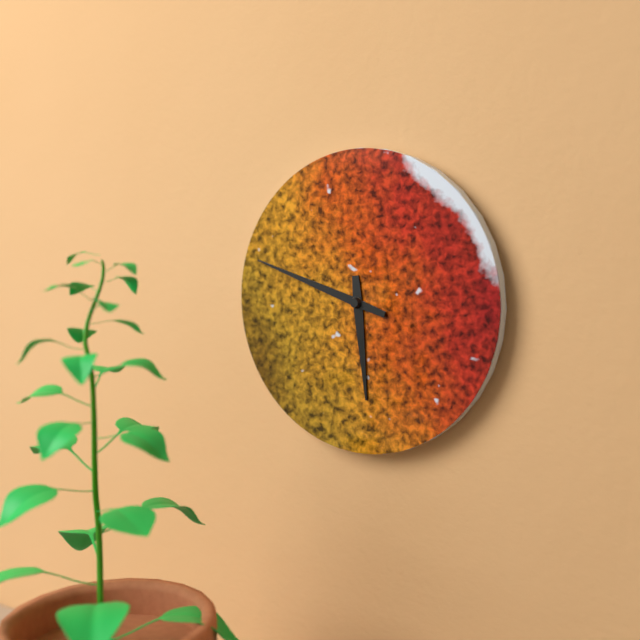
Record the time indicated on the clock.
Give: 5:48
